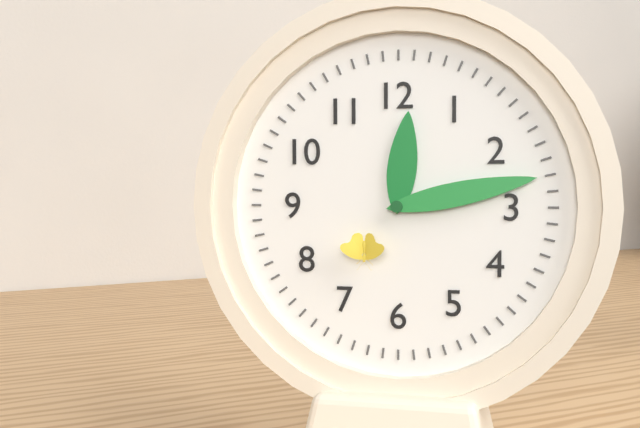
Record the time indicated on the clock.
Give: 12:13
